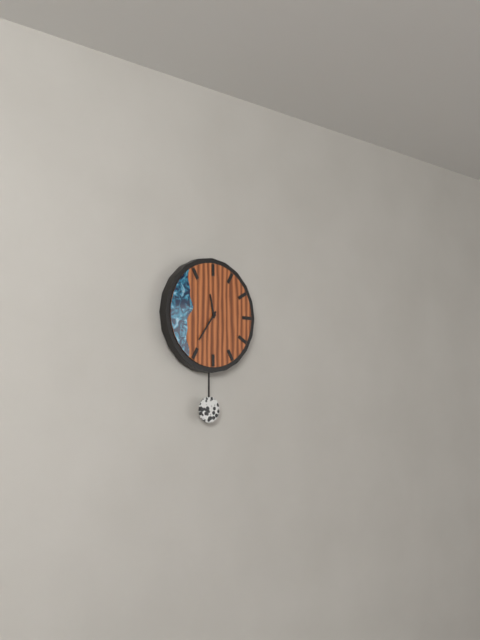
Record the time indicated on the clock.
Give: 11:36
